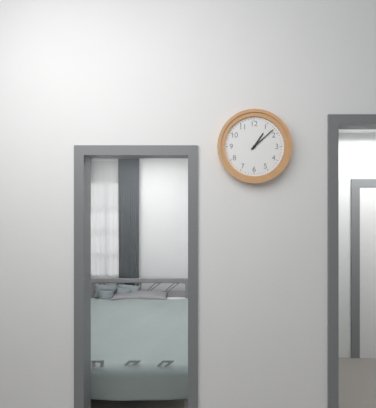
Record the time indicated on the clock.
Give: 1:08
